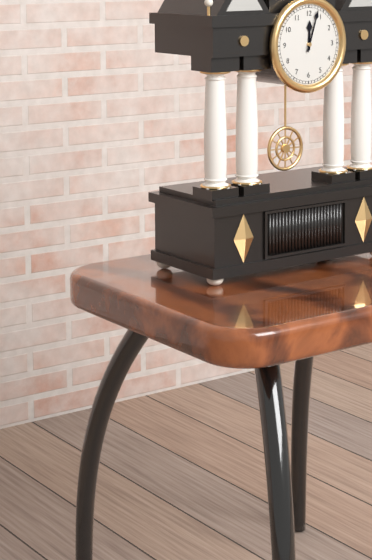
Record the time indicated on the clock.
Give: 12:03
